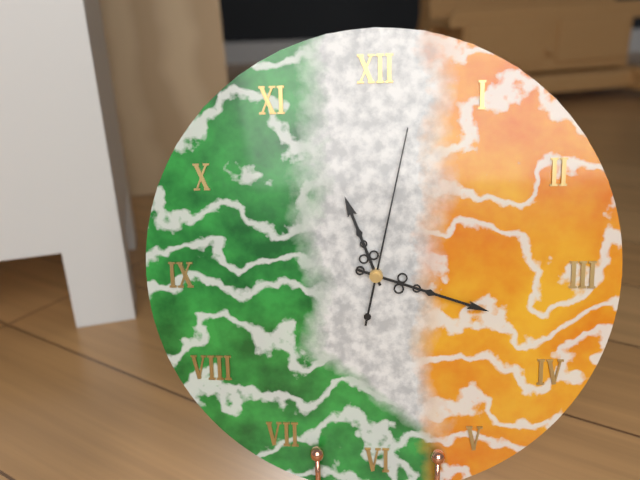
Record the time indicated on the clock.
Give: 11:18:02
